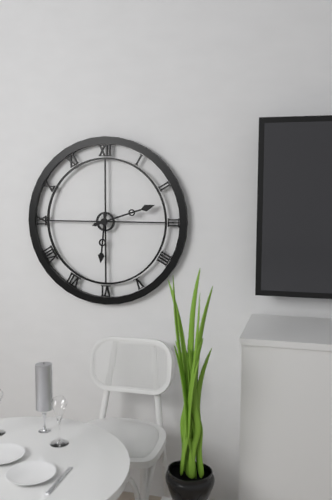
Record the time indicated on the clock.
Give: 6:12
